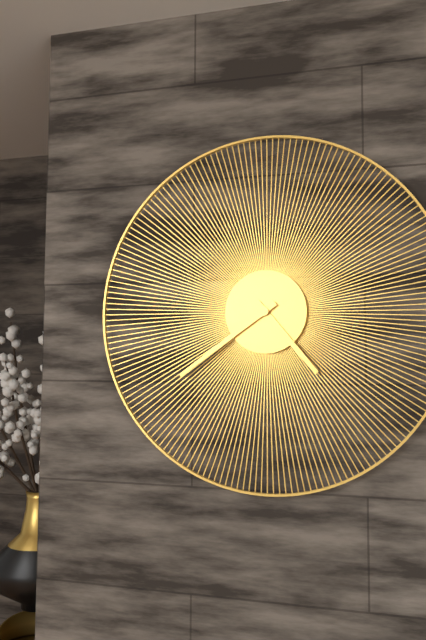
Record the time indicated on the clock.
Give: 4:39
